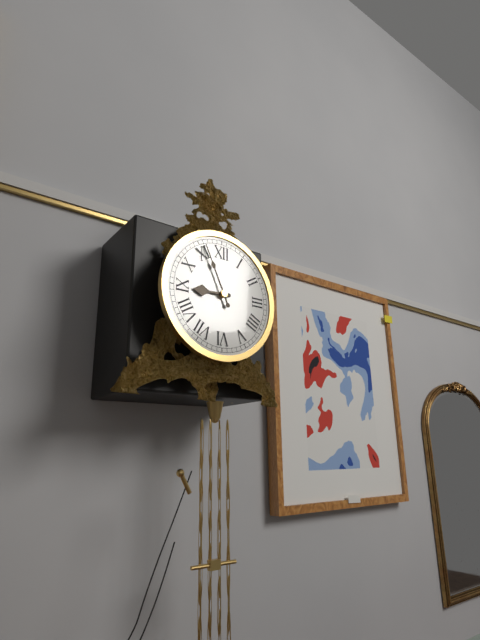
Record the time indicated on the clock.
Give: 8:56
